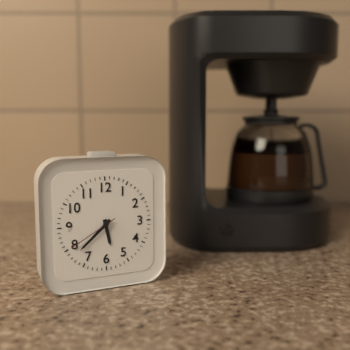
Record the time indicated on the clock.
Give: 5:38:40
